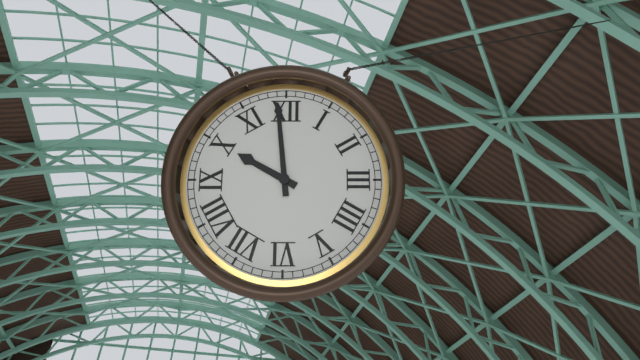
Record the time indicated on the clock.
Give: 9:59
